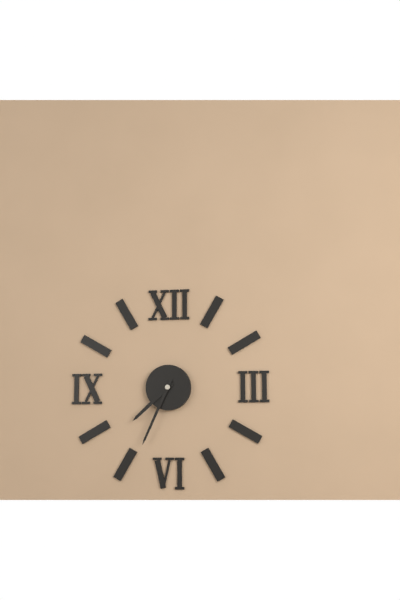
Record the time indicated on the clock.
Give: 7:34
